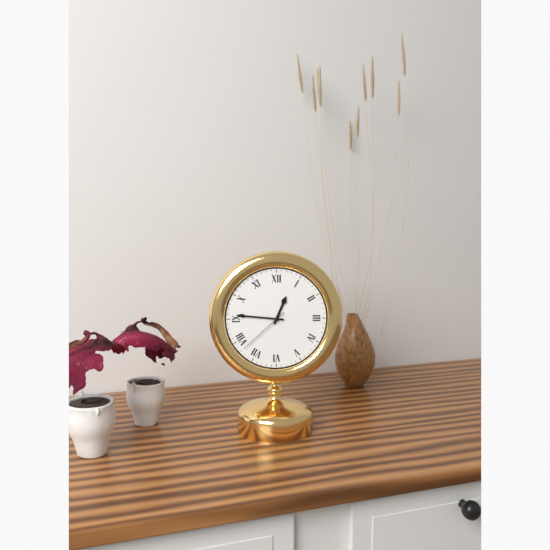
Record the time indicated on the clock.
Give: 12:46:38
